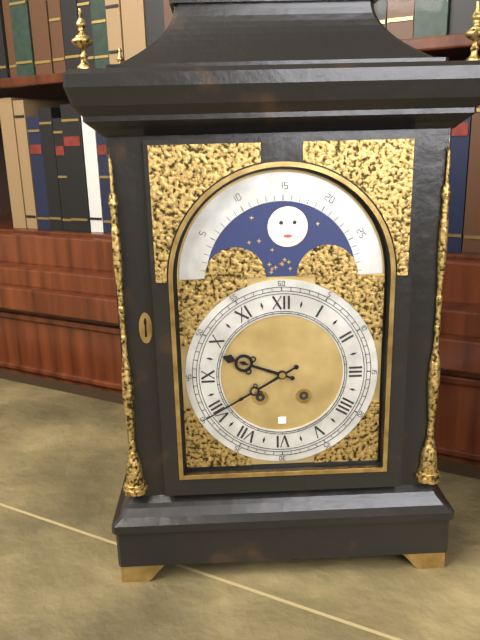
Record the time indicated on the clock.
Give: 9:40
